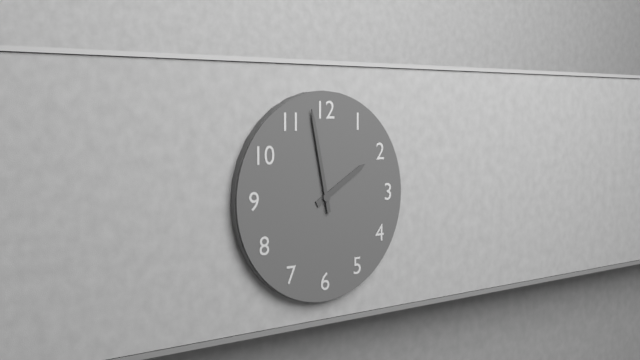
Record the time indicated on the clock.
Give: 1:58
